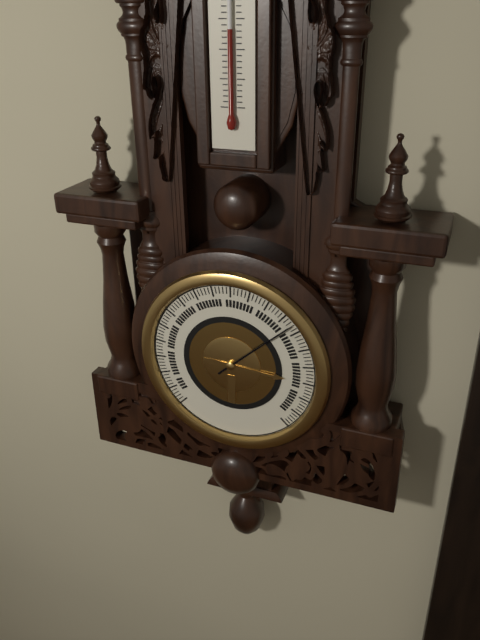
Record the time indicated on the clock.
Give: 3:08
